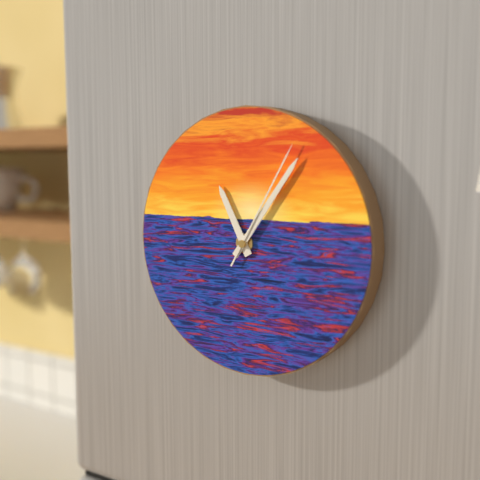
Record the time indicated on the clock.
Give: 11:06:05
